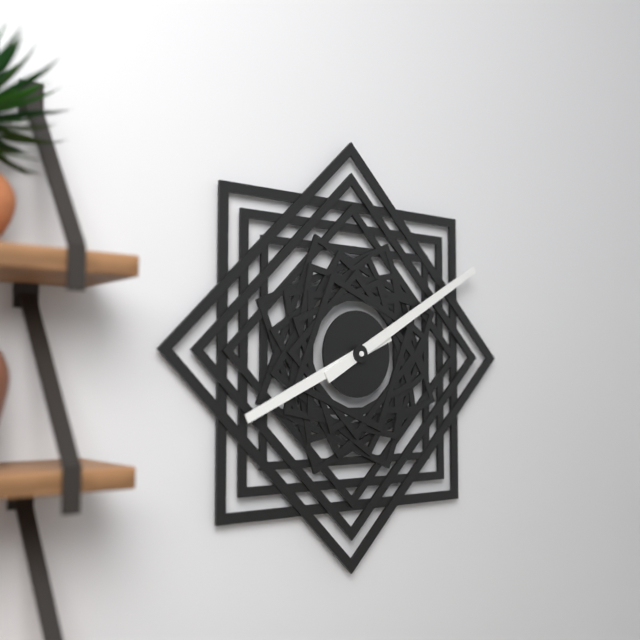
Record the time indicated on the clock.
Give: 8:10
